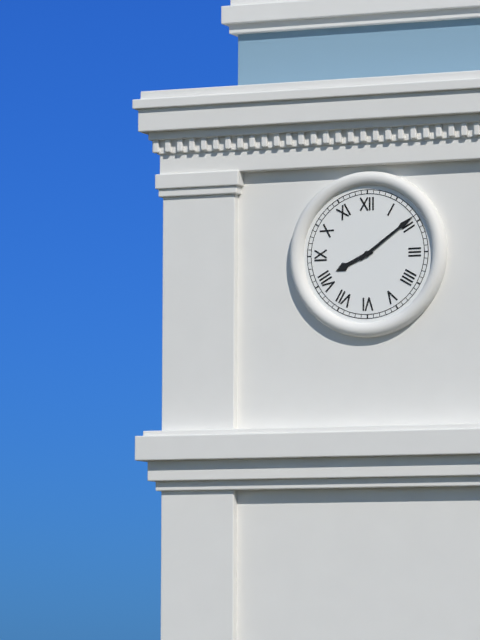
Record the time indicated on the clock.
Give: 8:09
